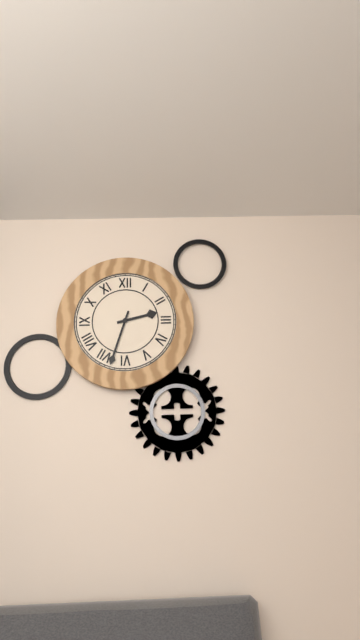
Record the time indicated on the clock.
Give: 2:33
